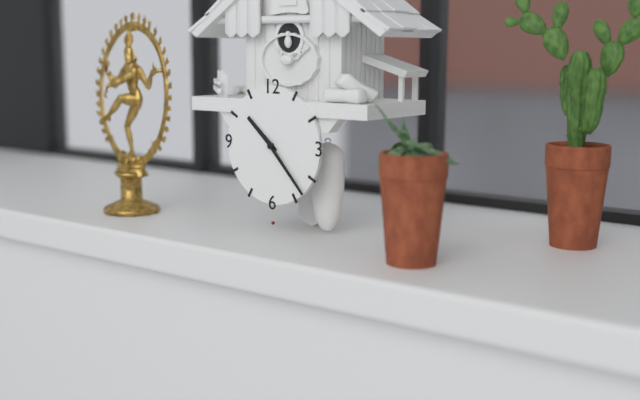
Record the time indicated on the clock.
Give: 10:23
